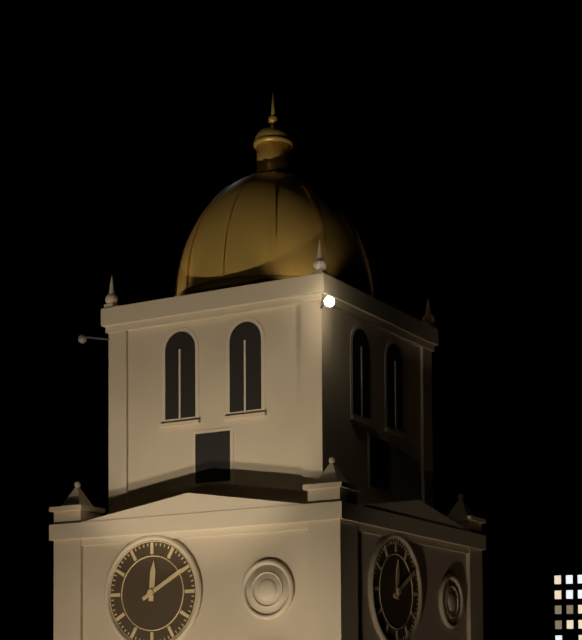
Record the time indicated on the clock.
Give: 12:10
